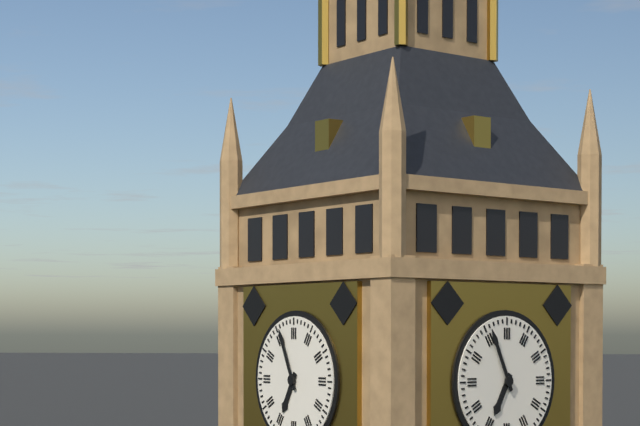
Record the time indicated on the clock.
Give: 6:56
